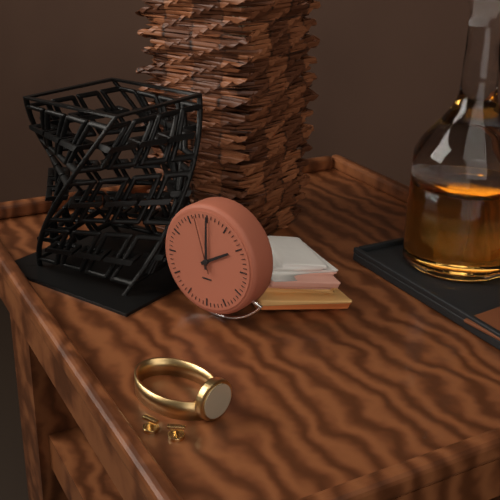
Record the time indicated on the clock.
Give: 2:00:57
